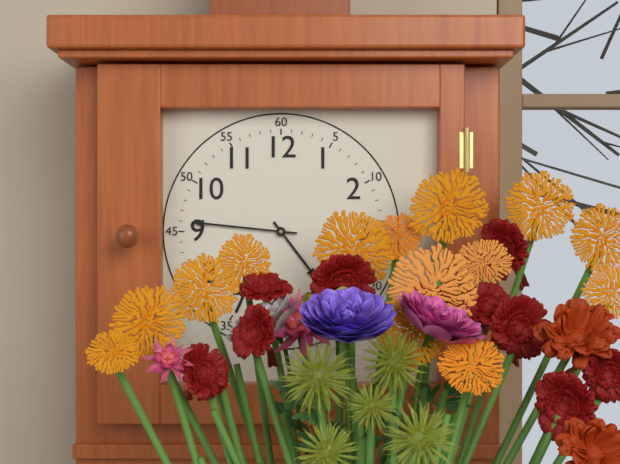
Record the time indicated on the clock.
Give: 4:46
